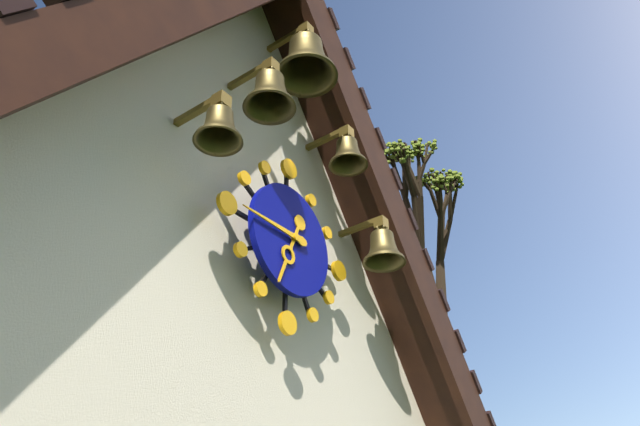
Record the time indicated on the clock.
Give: 6:45
